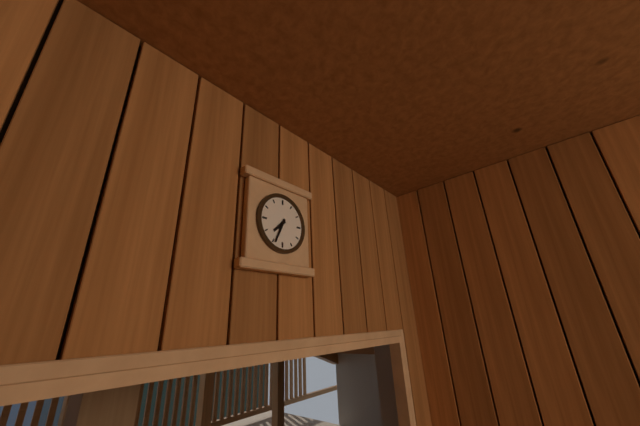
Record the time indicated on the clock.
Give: 7:34
